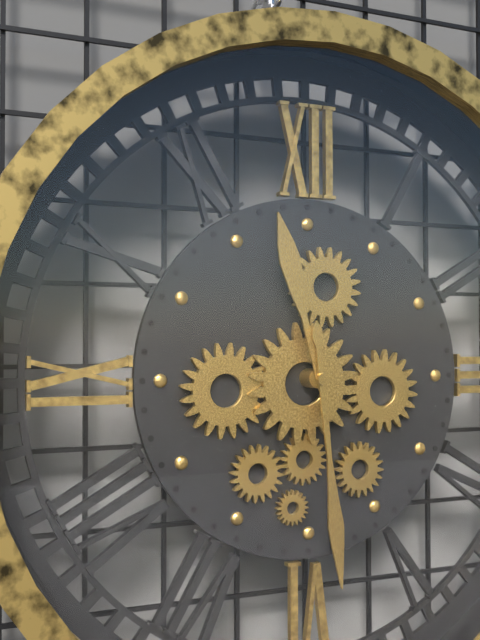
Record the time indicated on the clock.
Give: 11:29
